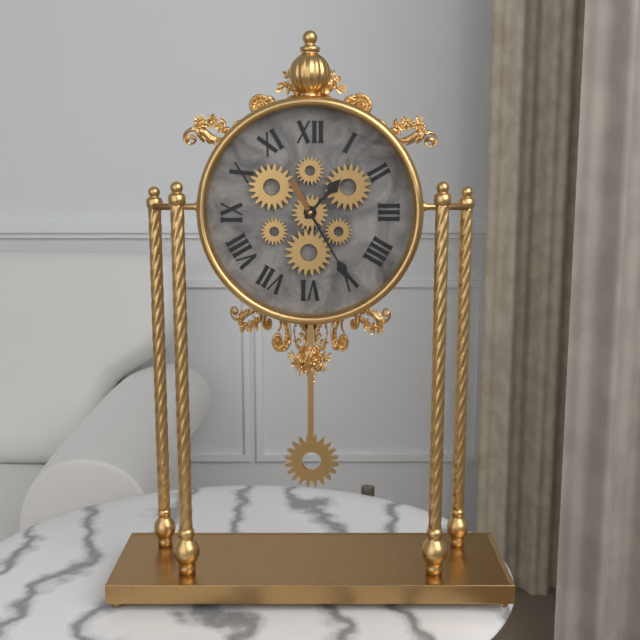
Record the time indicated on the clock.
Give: 1:25
